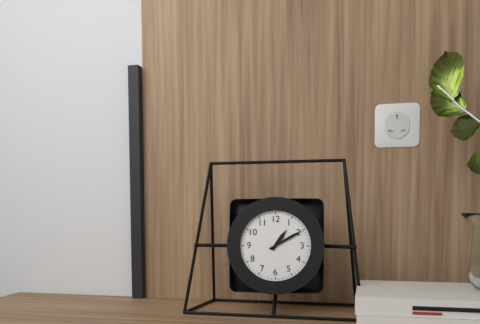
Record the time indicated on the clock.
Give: 1:10
